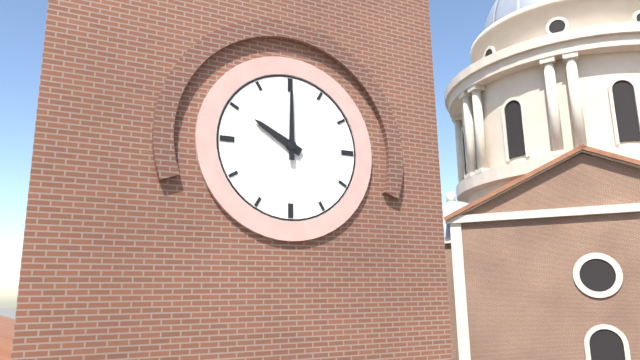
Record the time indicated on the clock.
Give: 10:00
